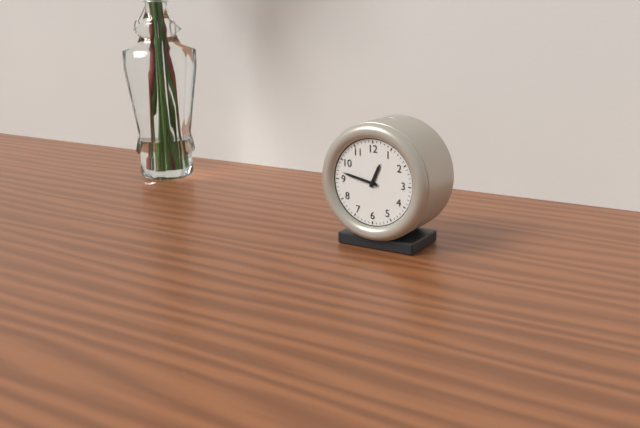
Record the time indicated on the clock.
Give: 12:47
